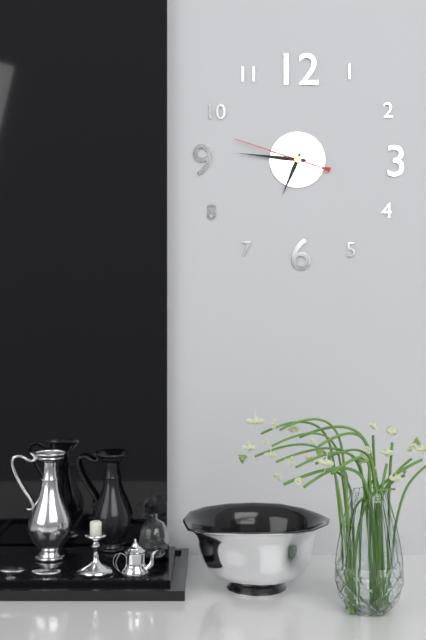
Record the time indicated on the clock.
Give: 6:46:48
